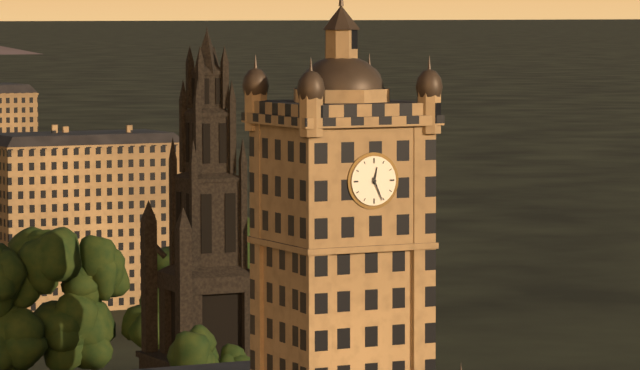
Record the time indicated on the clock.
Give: 12:26
